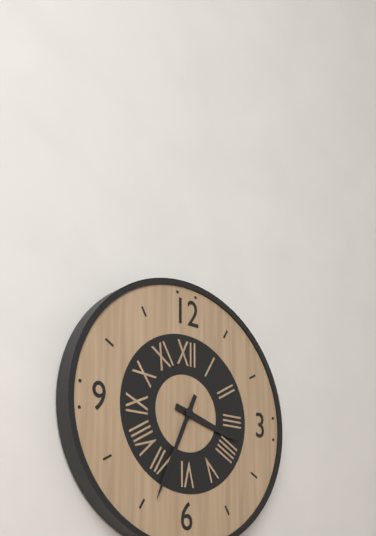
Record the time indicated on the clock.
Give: 3:34
